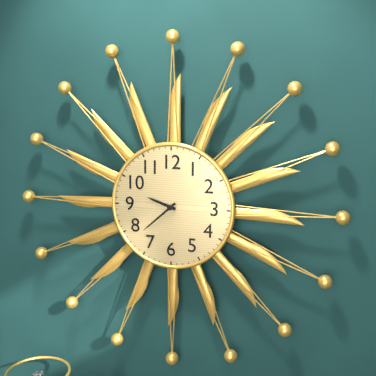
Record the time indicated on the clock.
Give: 9:38
